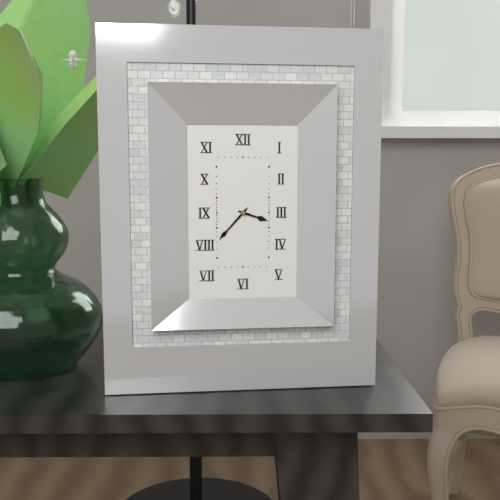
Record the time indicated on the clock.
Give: 3:37
